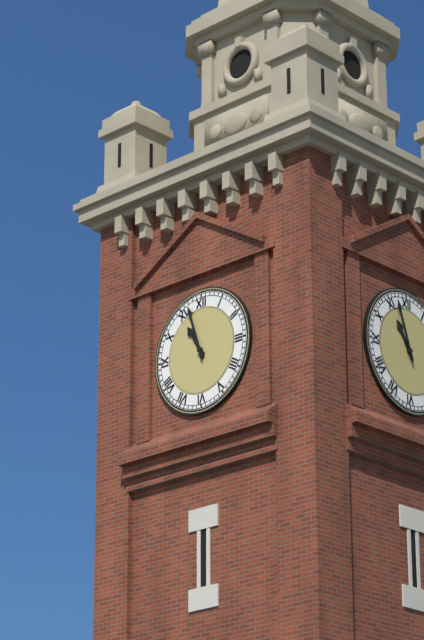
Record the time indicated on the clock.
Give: 10:57
